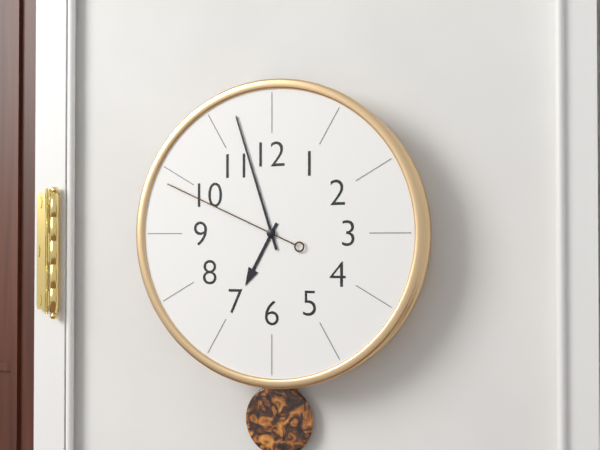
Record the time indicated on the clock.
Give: 6:57:49
